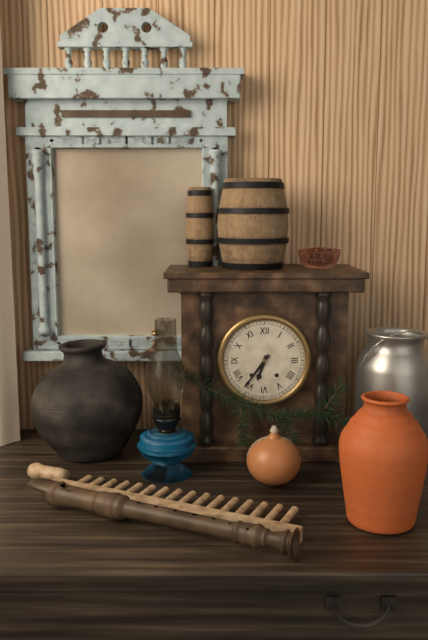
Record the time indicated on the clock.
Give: 6:36
